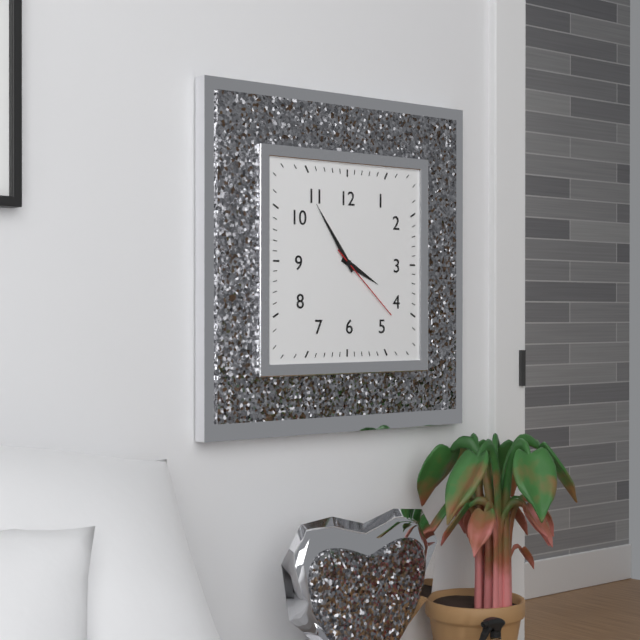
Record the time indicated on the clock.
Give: 3:54:22
